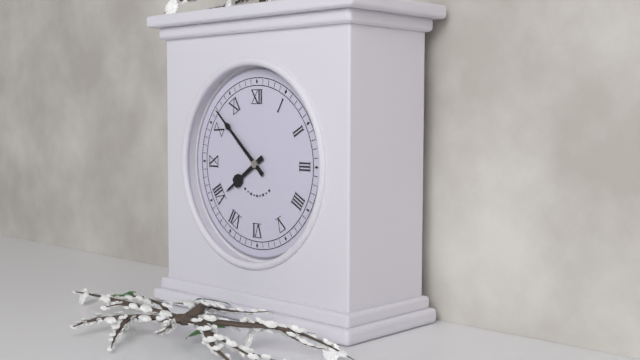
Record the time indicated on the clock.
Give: 7:52
